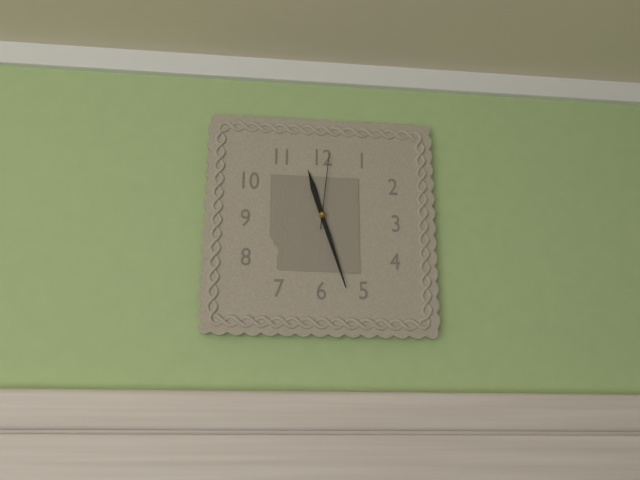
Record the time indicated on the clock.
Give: 11:27:01
